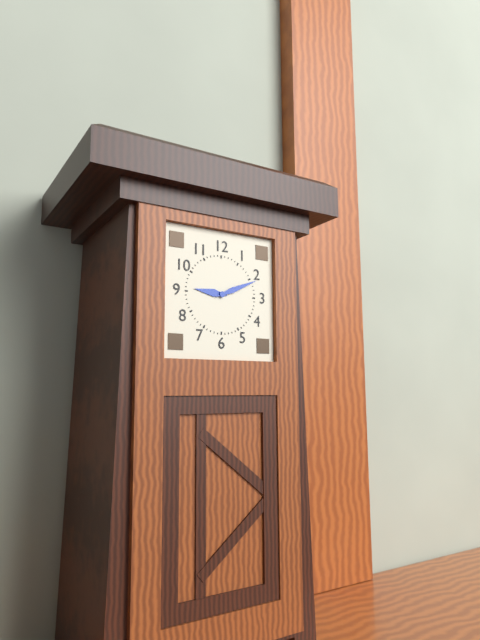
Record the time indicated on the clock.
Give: 9:11
